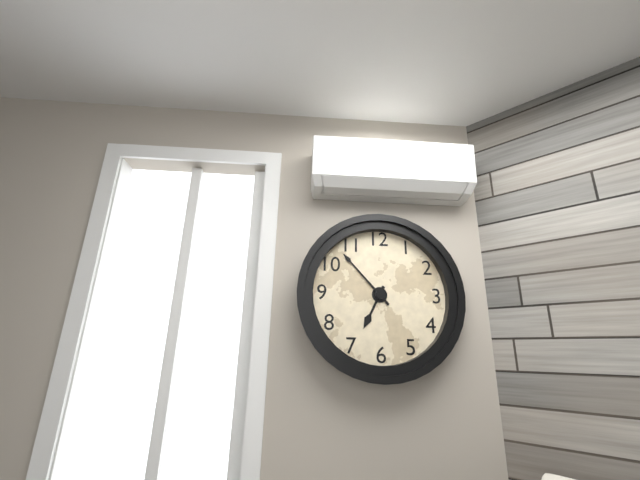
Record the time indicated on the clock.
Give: 6:53
